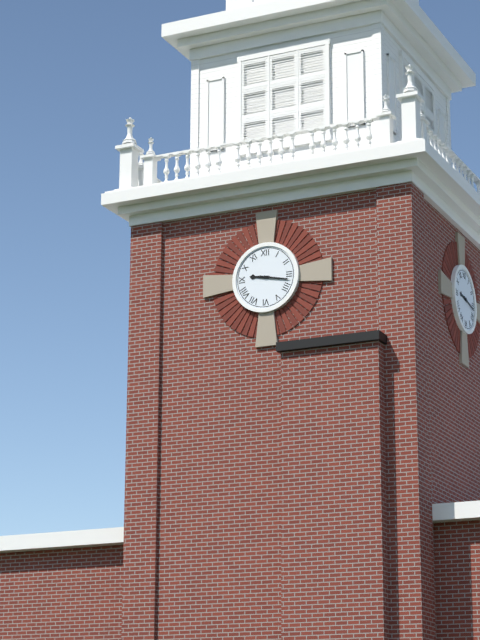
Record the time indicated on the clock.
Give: 9:17
